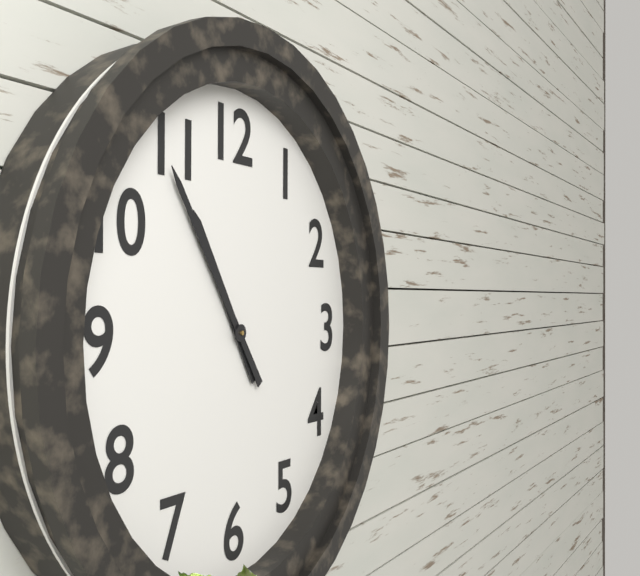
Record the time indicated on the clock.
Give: 10:54
